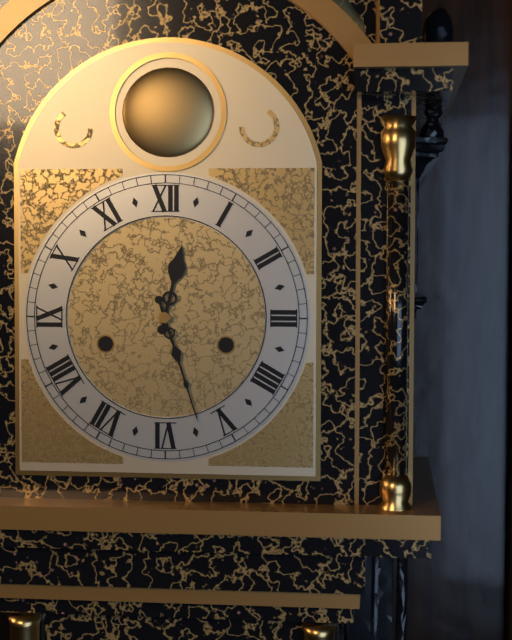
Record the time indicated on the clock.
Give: 12:27
